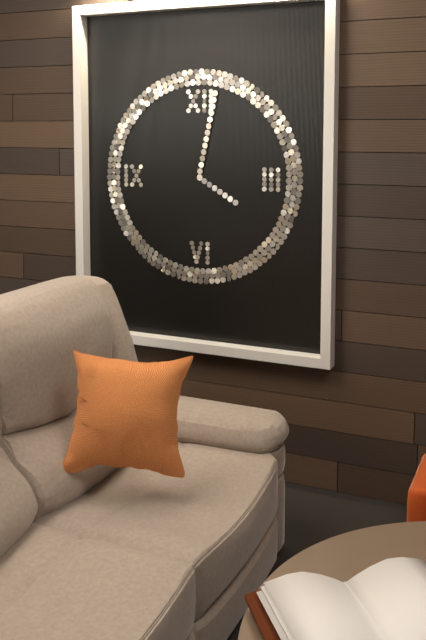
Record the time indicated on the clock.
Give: 4:02
